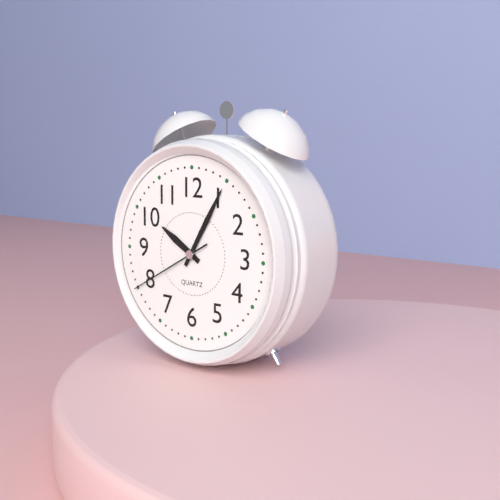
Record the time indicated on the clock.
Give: 10:05:40
